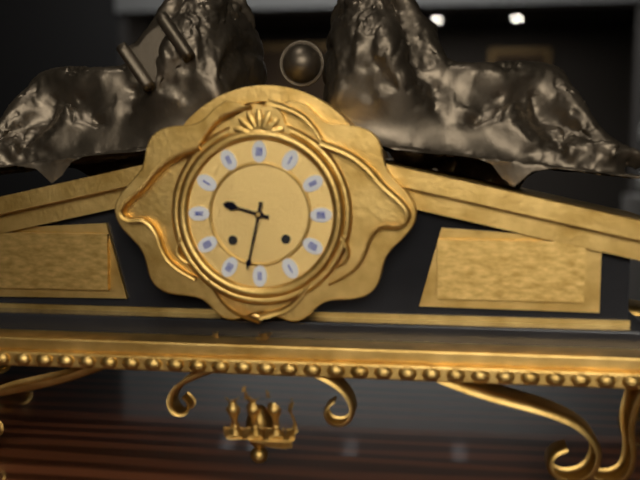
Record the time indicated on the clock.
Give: 9:32
